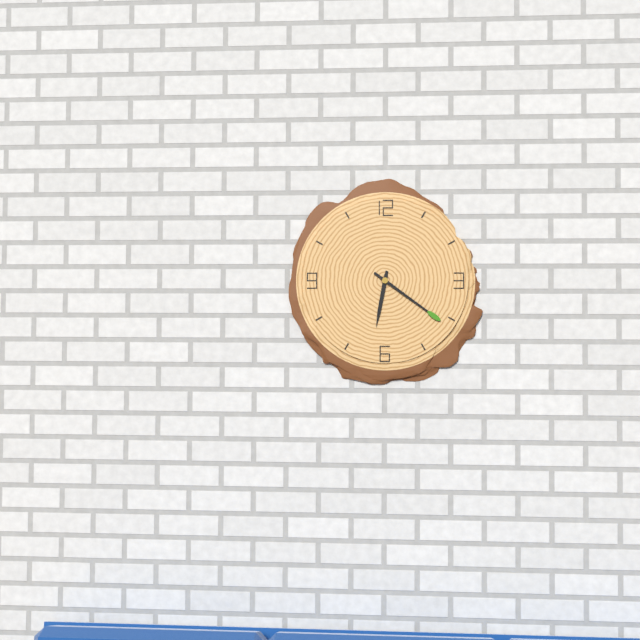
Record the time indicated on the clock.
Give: 6:21
